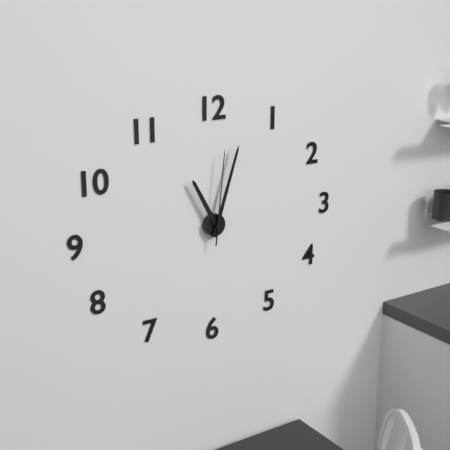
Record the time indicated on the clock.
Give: 11:03:01
